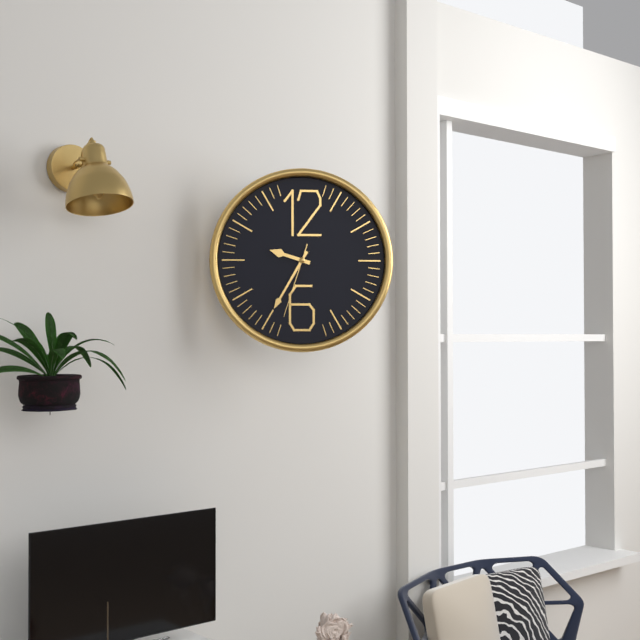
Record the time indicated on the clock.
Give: 9:35:33
